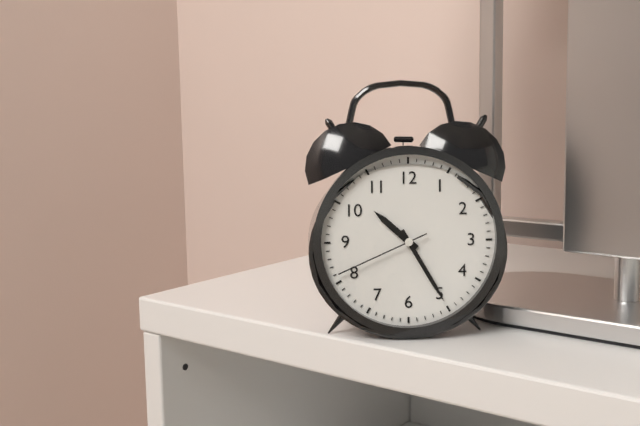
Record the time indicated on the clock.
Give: 10:25:41
